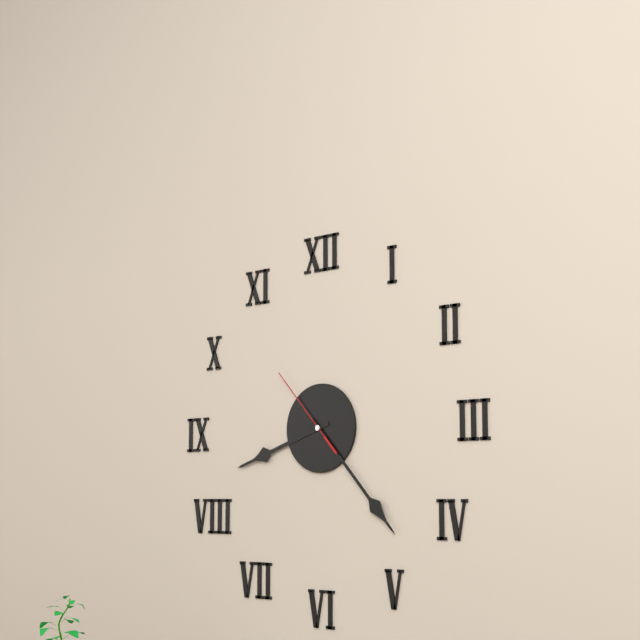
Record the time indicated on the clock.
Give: 8:23:53
